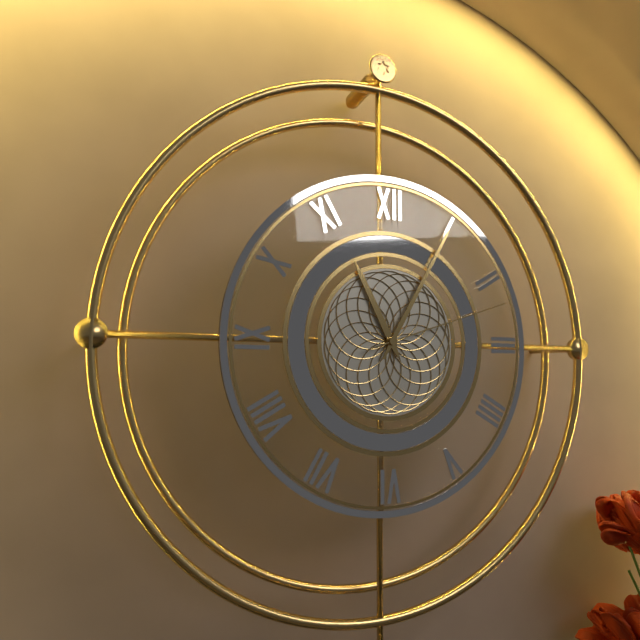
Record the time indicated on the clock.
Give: 11:05:12
